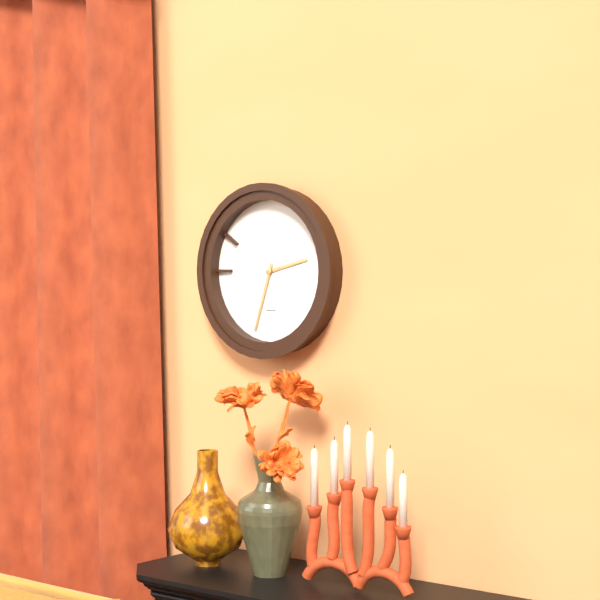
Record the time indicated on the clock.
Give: 2:33
